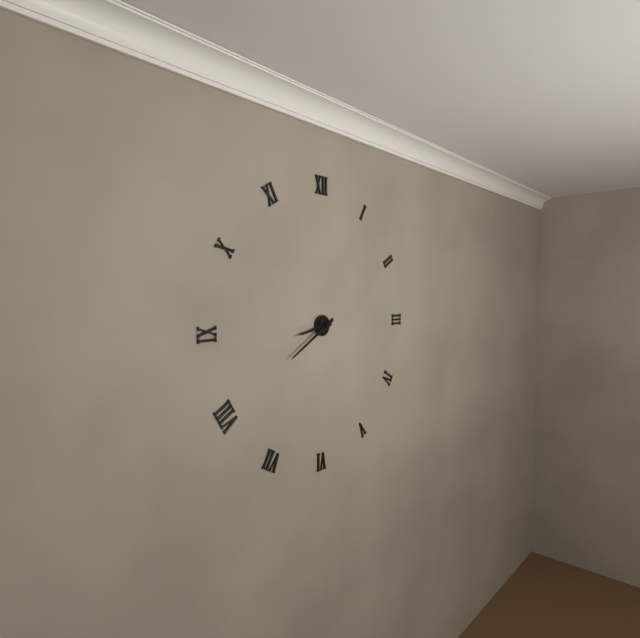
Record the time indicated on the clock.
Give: 8:40
